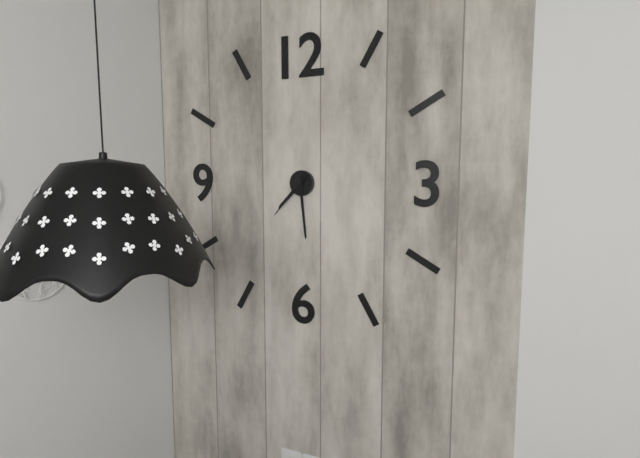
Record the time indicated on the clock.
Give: 7:29:37
